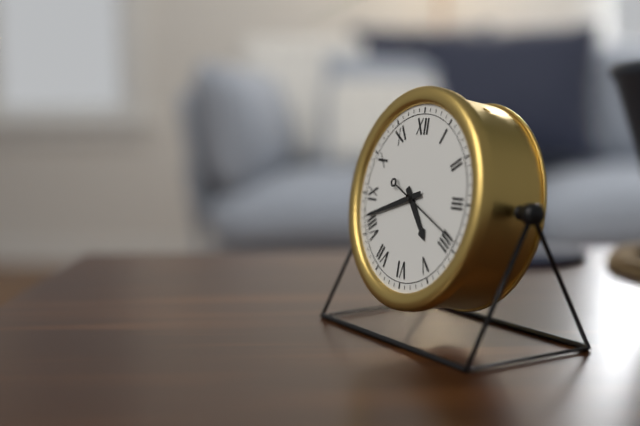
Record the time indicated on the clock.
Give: 4:42:19
